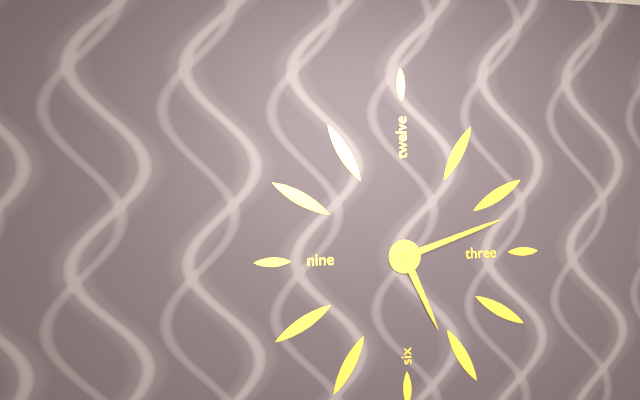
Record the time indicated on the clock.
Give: 5:12
